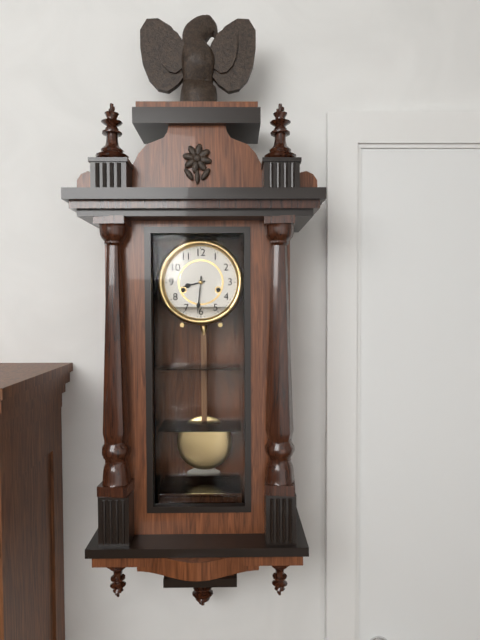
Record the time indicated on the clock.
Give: 8:31
